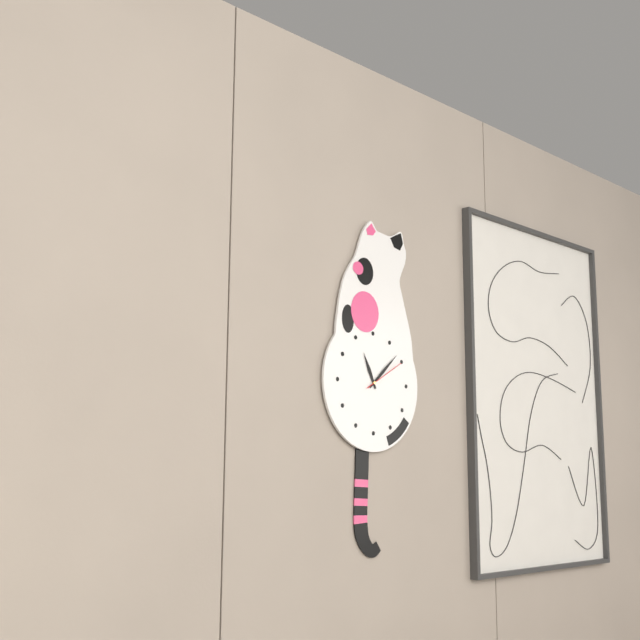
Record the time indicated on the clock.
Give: 11:08
